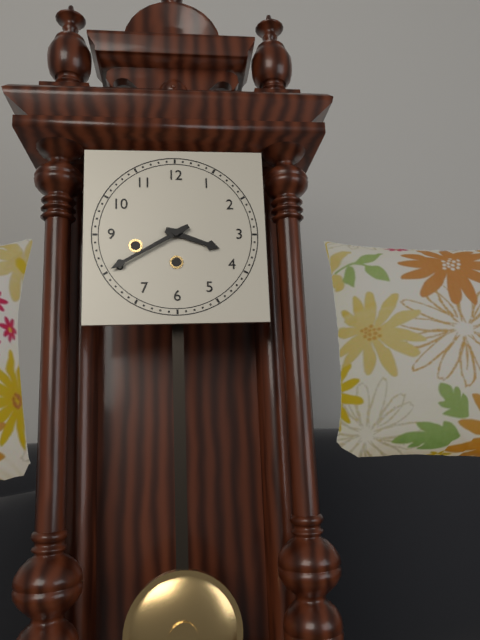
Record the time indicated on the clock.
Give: 3:40
